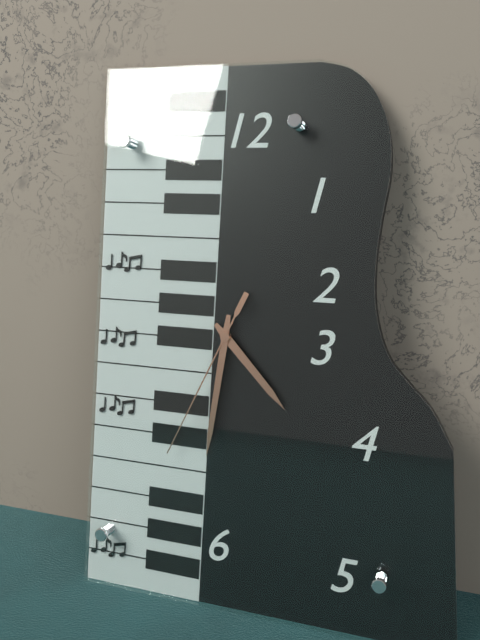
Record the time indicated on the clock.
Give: 4:31:34
